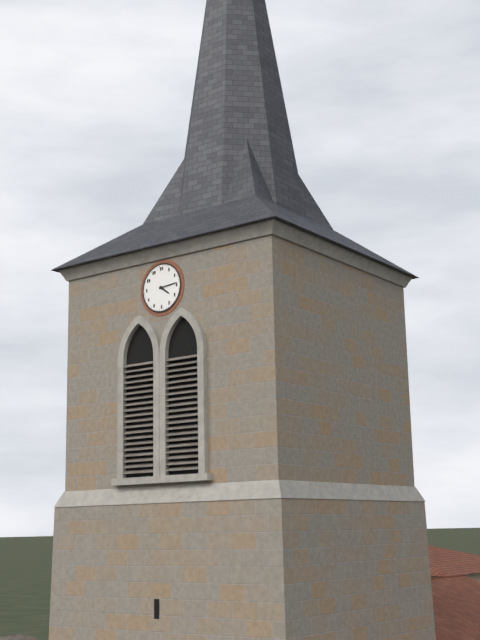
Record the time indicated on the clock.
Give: 4:14
